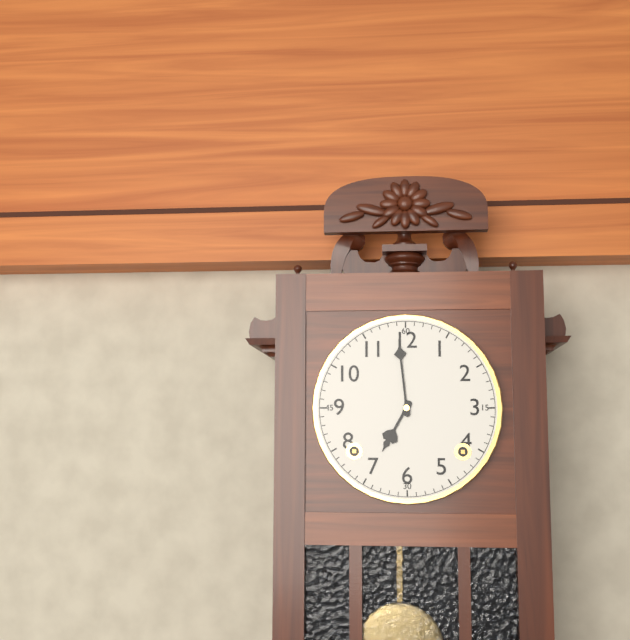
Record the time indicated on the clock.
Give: 6:59
